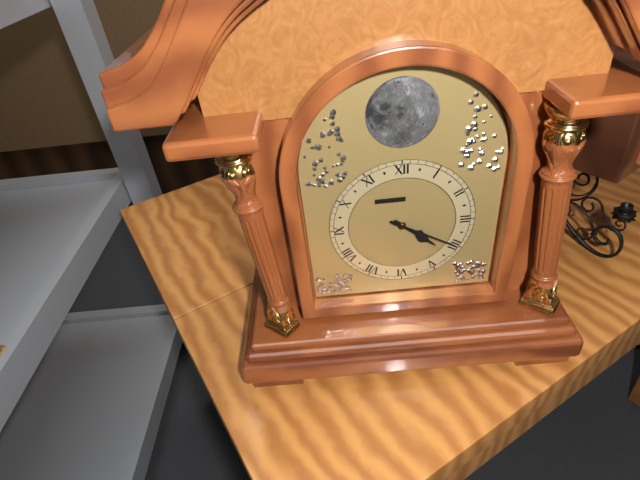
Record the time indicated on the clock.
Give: 4:20
